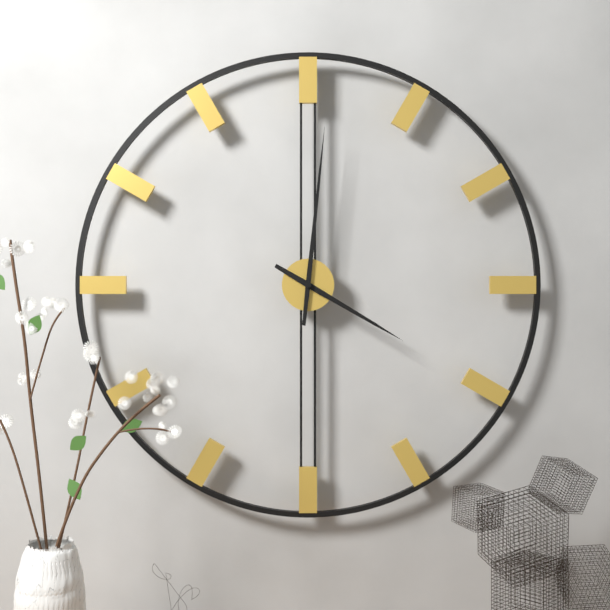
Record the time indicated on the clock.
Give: 4:01
